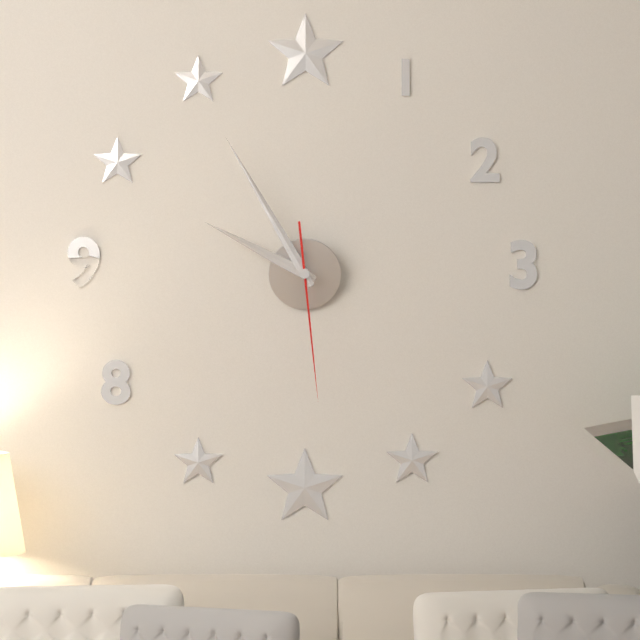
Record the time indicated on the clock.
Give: 9:55:29
